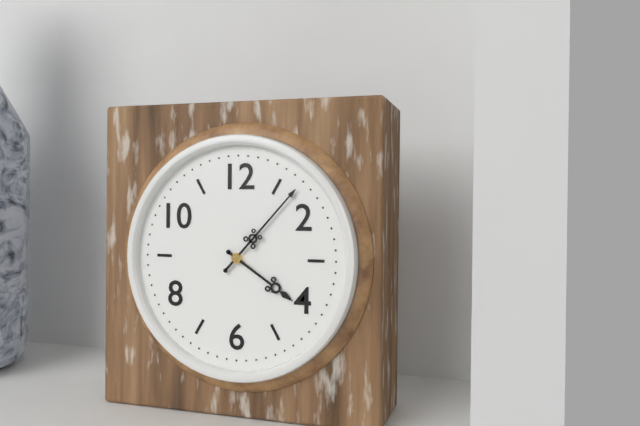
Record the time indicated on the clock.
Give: 4:07
